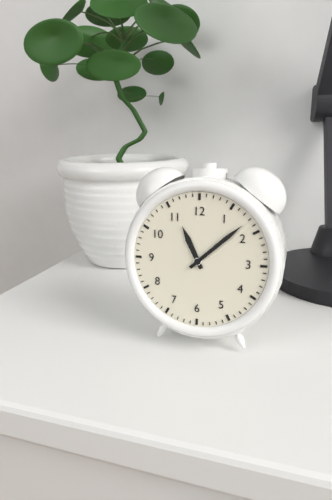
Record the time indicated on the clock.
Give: 11:08
